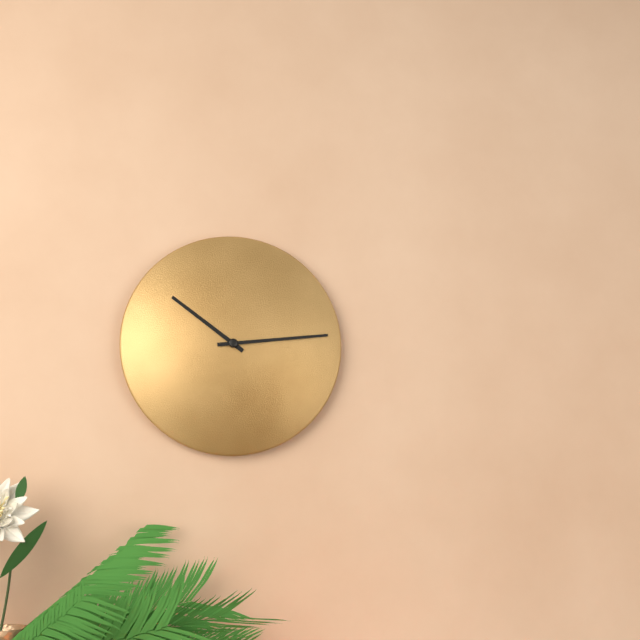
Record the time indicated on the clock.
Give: 10:14
